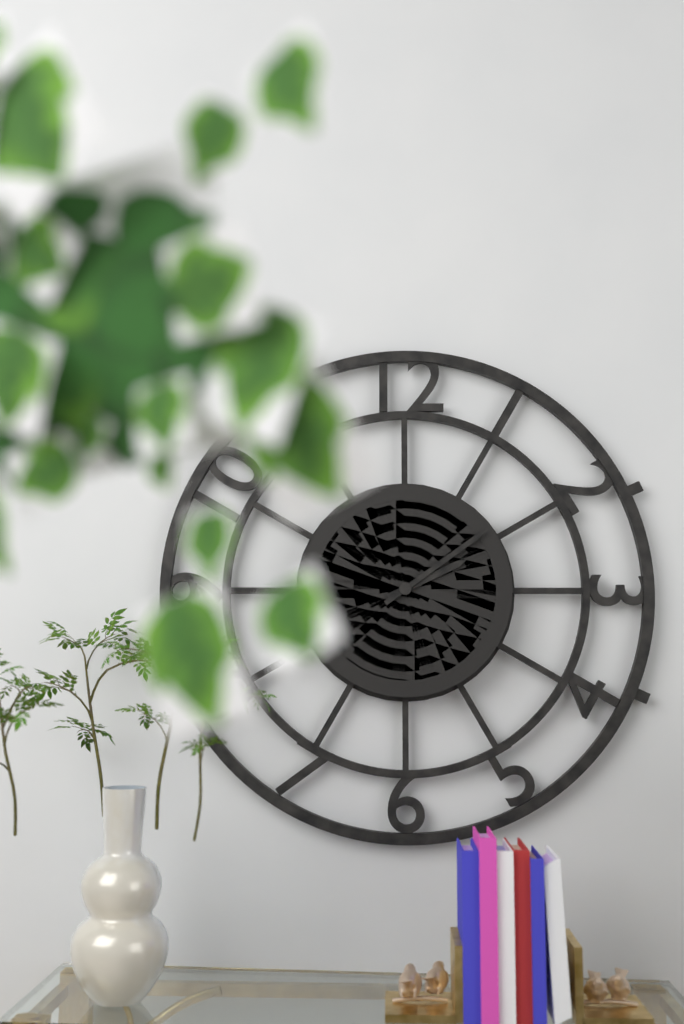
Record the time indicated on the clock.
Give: 2:09
